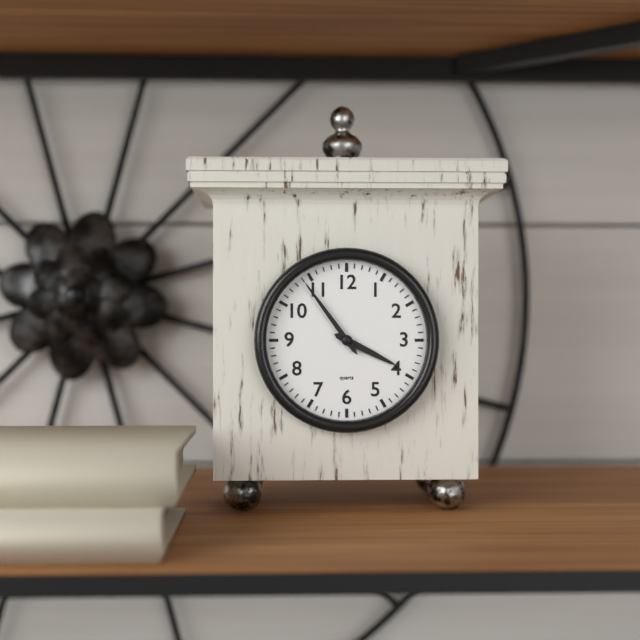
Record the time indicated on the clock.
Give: 3:54
